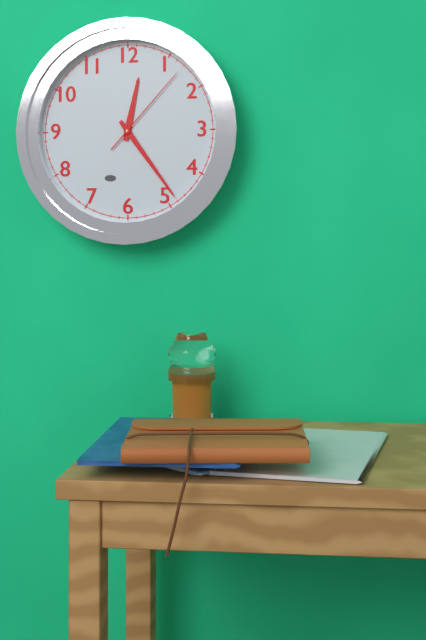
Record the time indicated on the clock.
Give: 12:24:07
